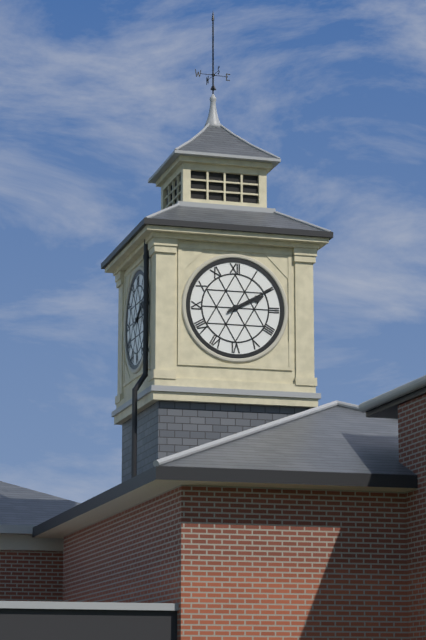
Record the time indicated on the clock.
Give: 2:10
